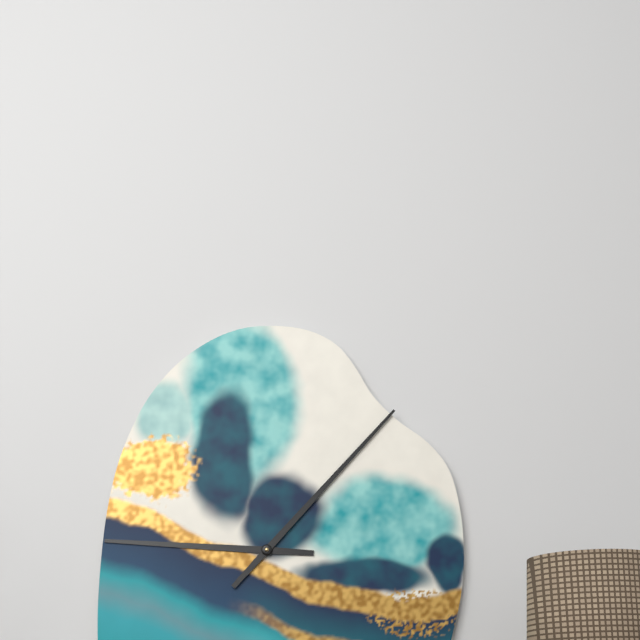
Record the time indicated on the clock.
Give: 9:07
